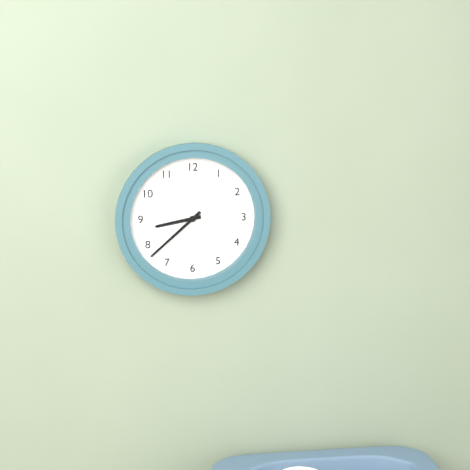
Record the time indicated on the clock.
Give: 8:38
